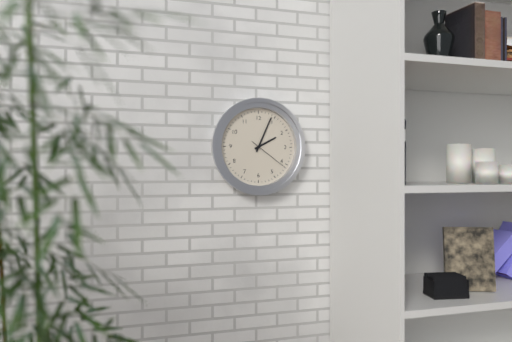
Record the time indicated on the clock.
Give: 2:04
